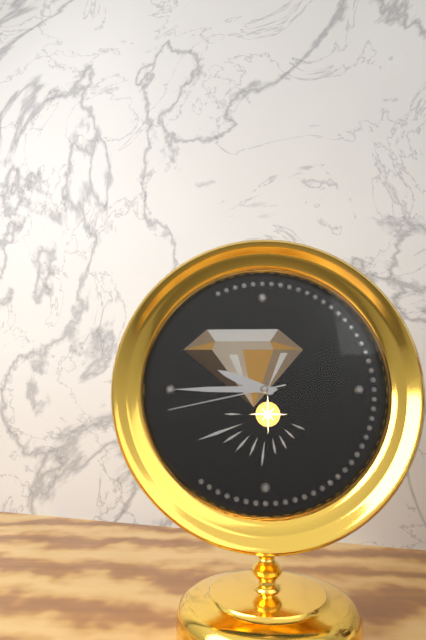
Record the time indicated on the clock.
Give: 9:45:43
